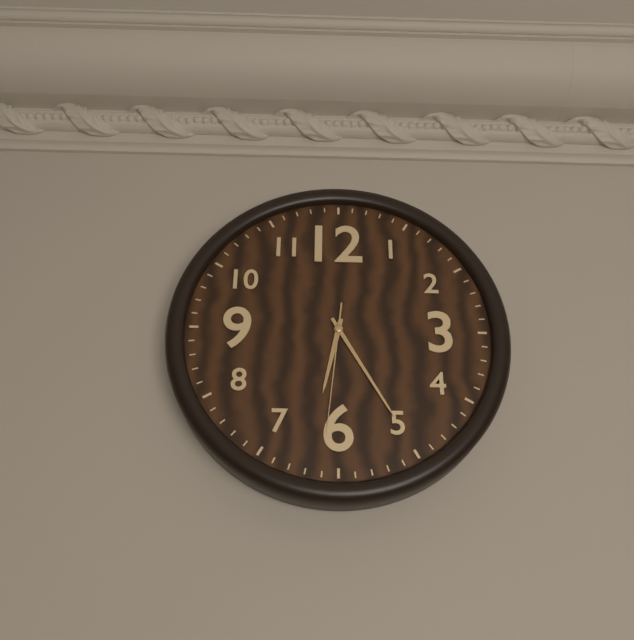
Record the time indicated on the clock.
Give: 6:25:31
